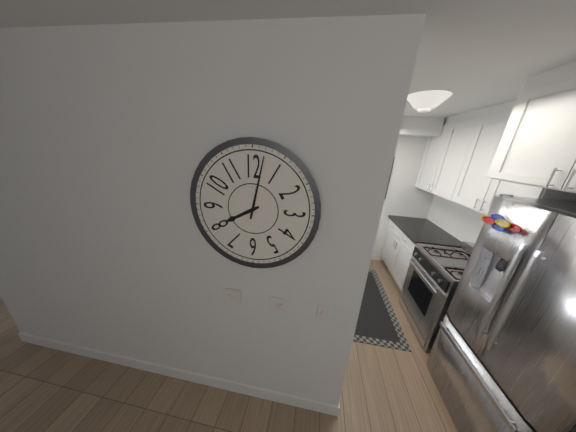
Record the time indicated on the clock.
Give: 8:02
